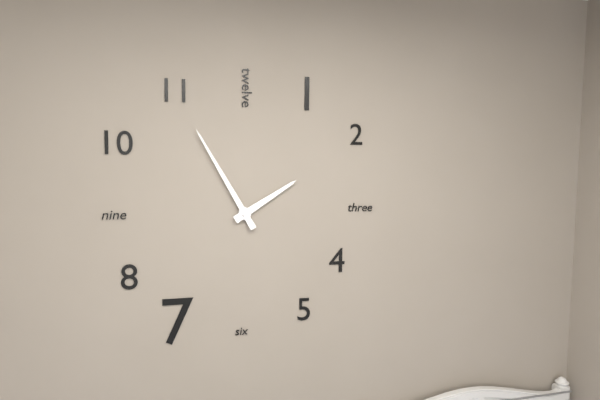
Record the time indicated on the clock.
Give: 1:55
